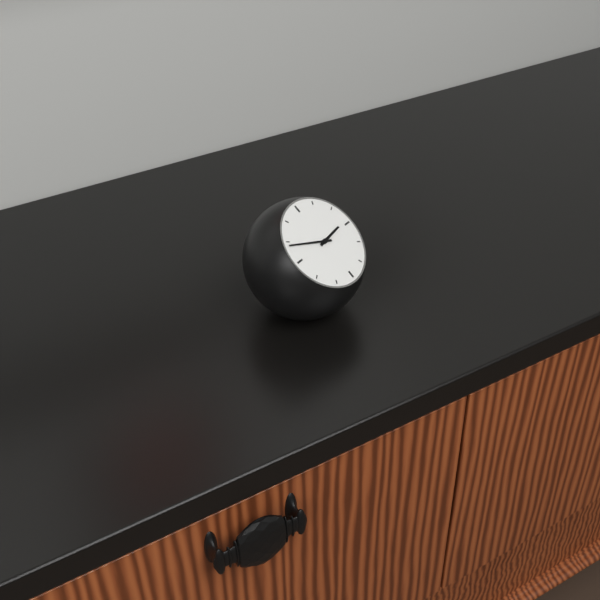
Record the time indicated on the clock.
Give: 2:49
